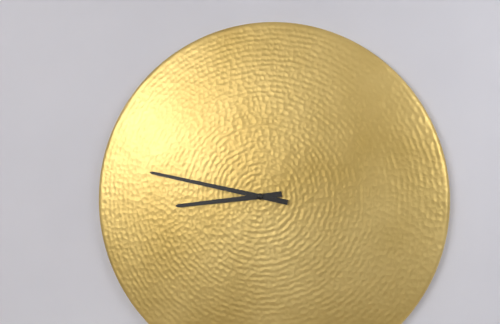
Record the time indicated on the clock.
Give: 8:47
